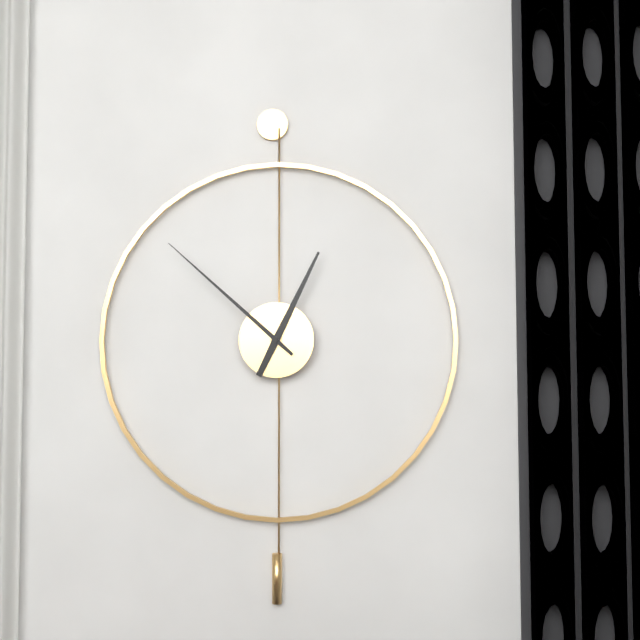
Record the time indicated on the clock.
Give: 12:52
